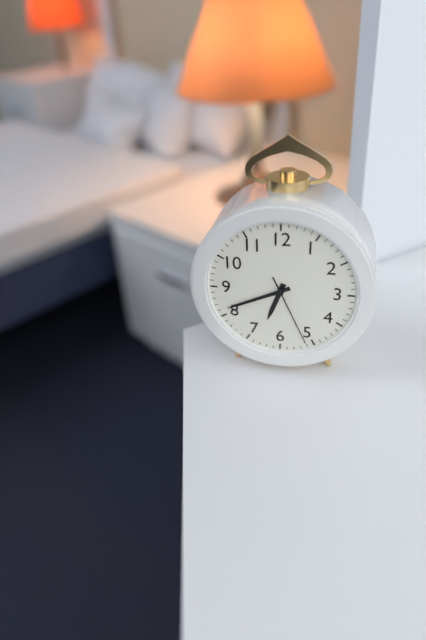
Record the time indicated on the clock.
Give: 6:41:26
